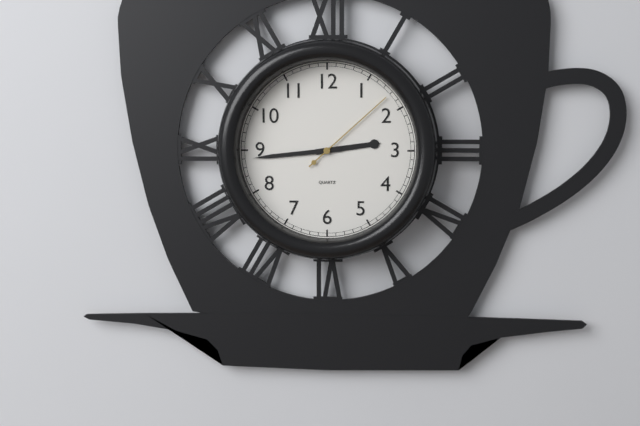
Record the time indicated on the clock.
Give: 2:44:08
